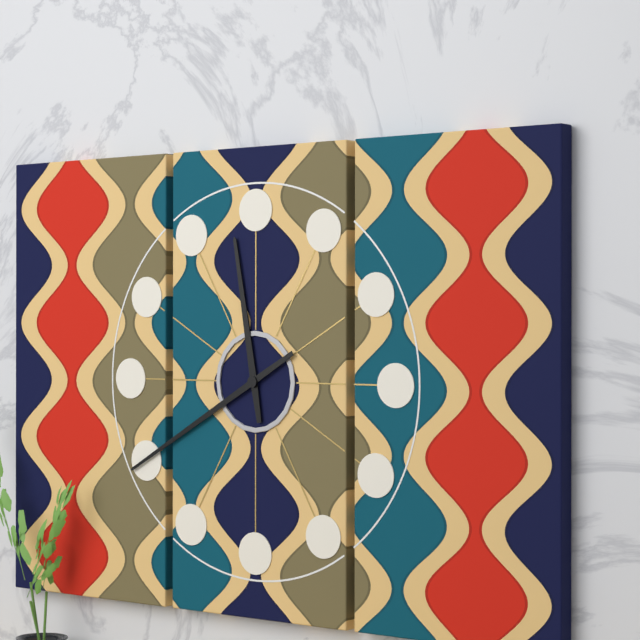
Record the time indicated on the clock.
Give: 11:40
